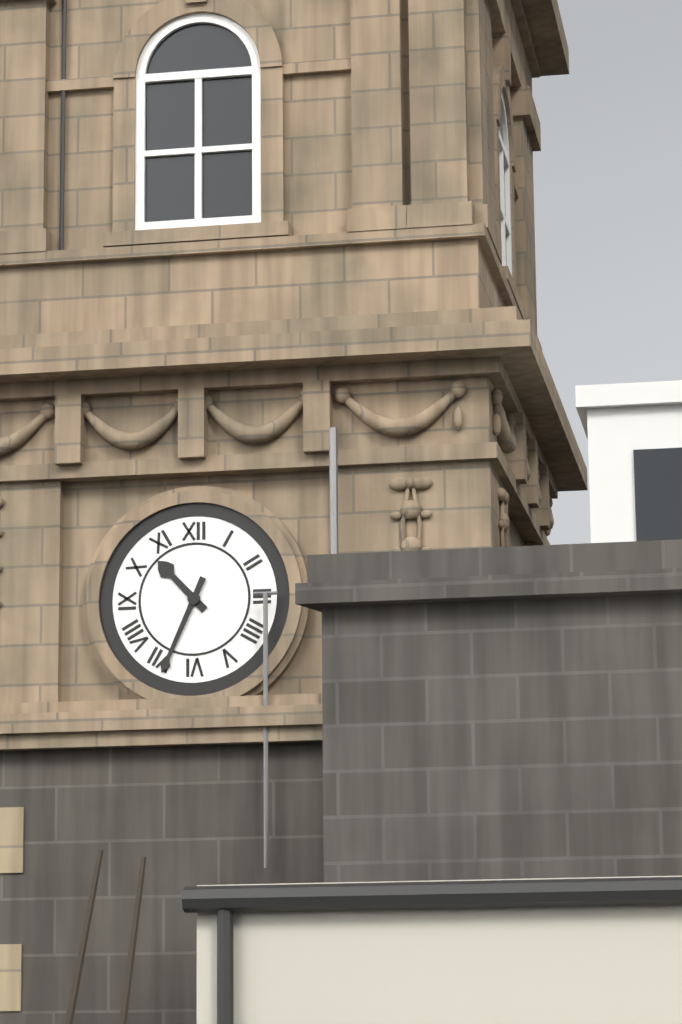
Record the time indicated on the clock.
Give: 10:34
